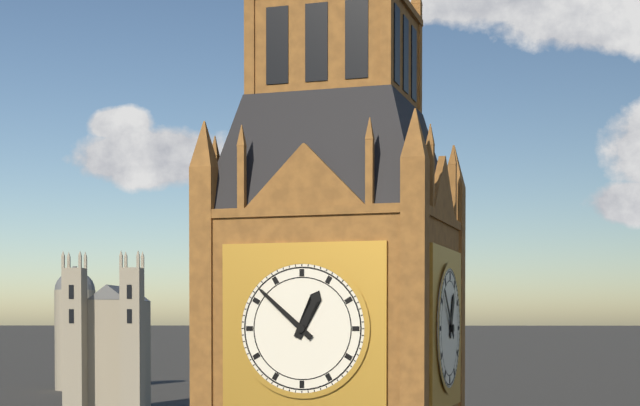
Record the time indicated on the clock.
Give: 12:52
